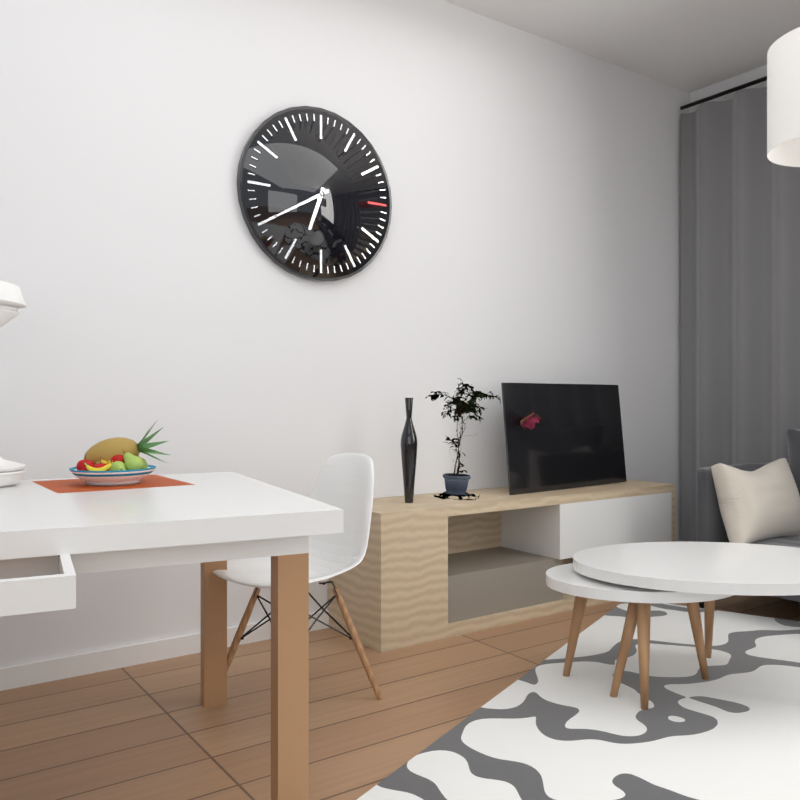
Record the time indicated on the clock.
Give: 6:40
